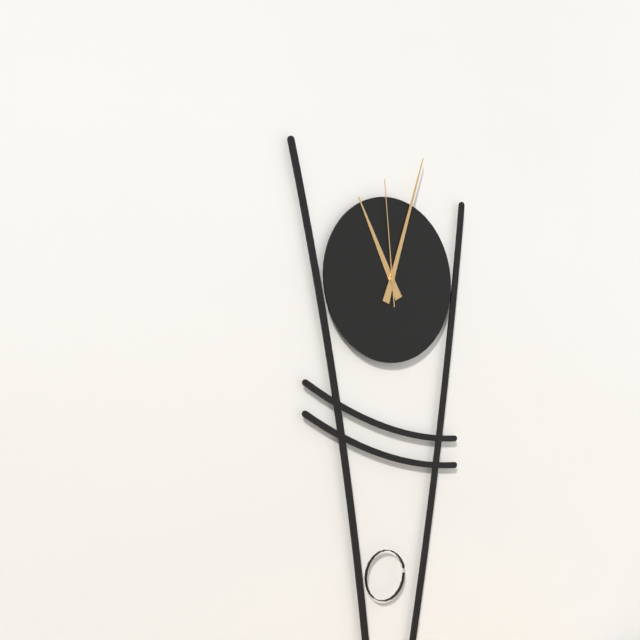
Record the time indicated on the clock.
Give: 11:03:59
